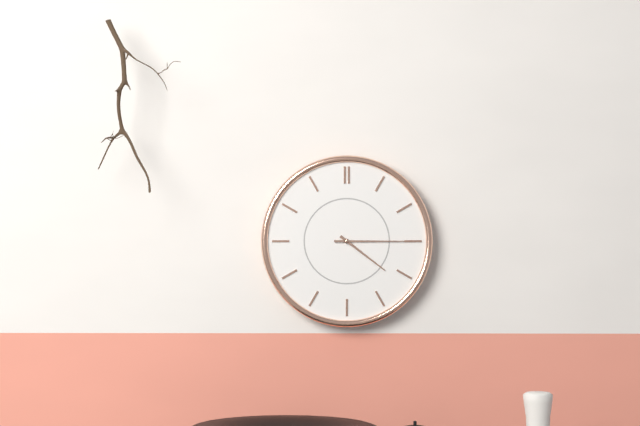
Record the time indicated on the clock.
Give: 4:15
